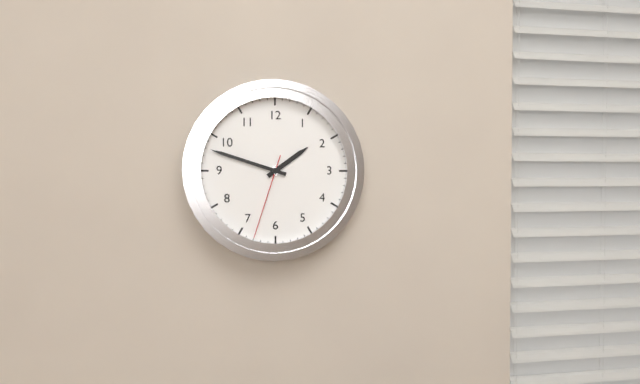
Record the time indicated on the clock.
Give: 1:48:33
